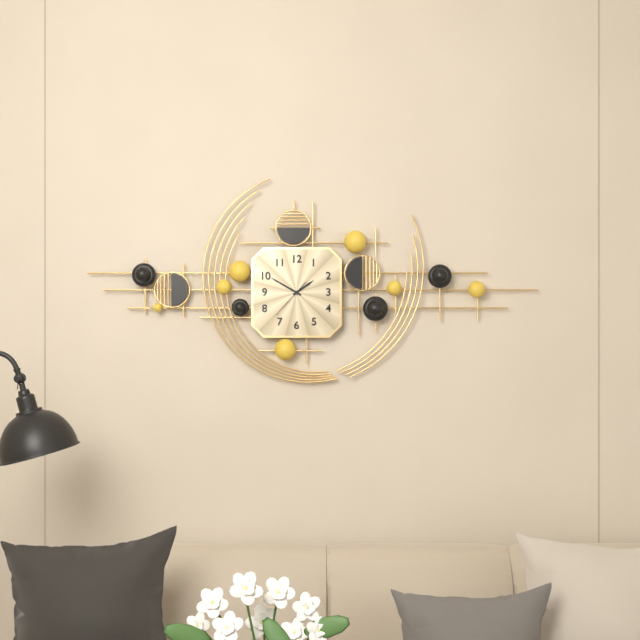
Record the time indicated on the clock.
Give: 1:50
